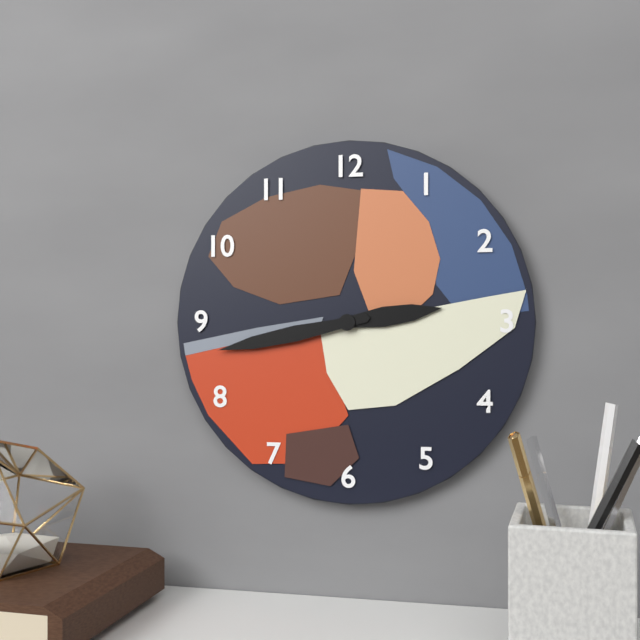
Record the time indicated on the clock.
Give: 2:43
